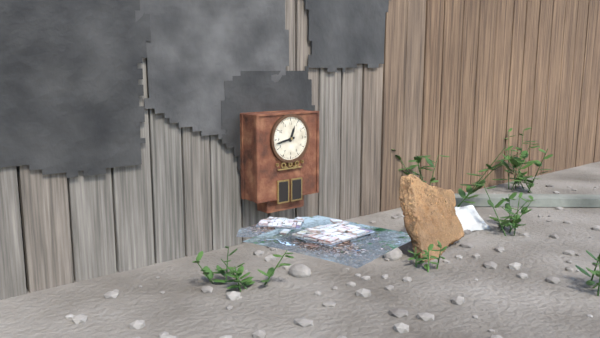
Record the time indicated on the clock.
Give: 12:43
